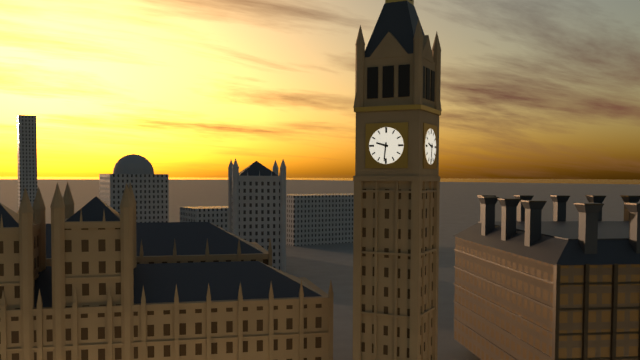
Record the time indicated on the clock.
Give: 9:31
